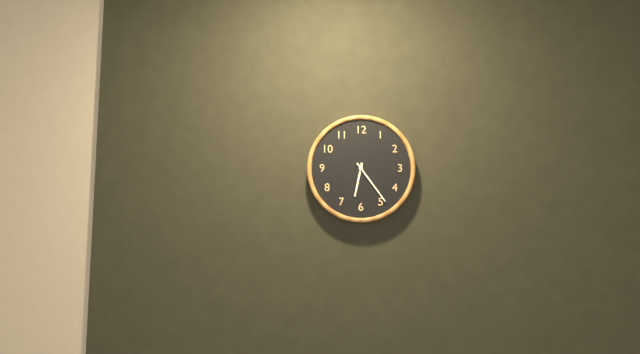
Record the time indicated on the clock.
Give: 6:24
